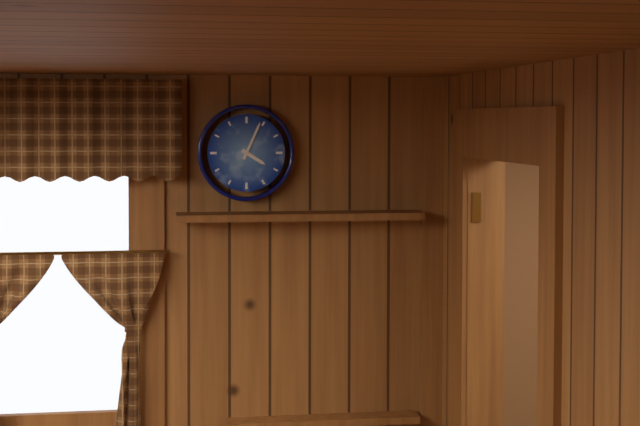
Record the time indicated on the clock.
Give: 4:04
